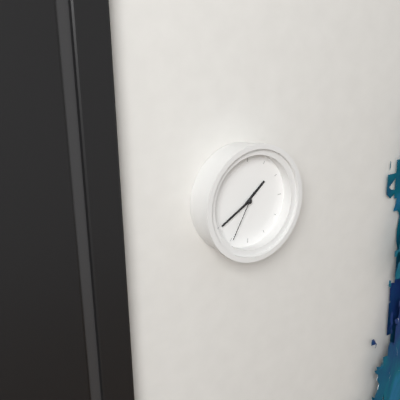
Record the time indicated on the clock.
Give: 1:40:35
